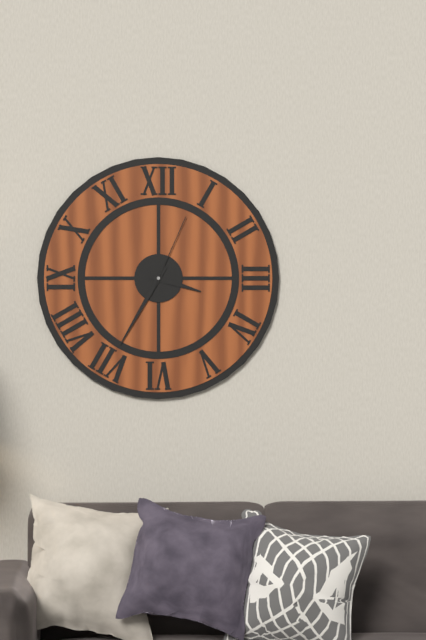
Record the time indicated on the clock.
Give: 3:35:04
